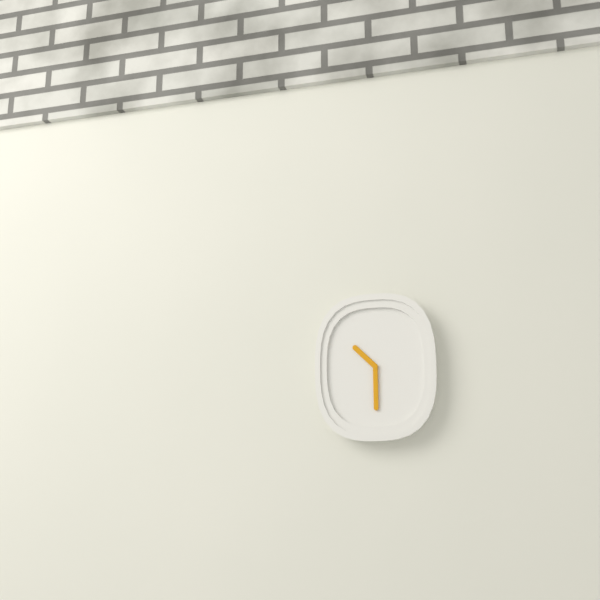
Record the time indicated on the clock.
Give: 10:30
